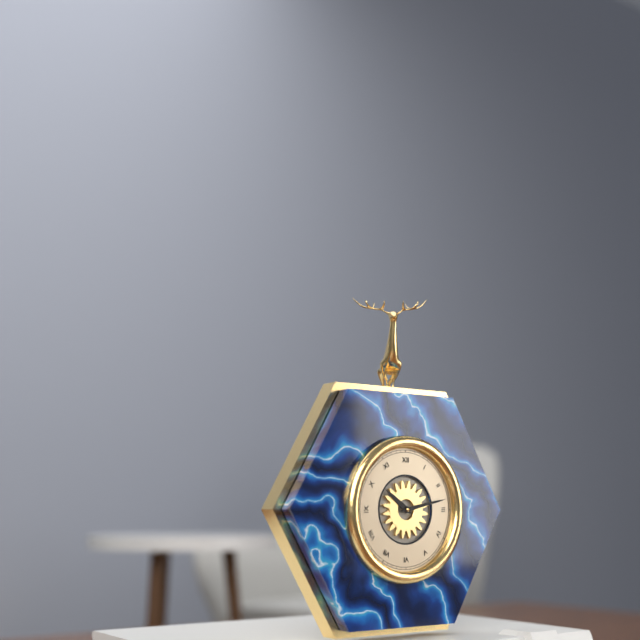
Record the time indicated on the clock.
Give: 10:13
